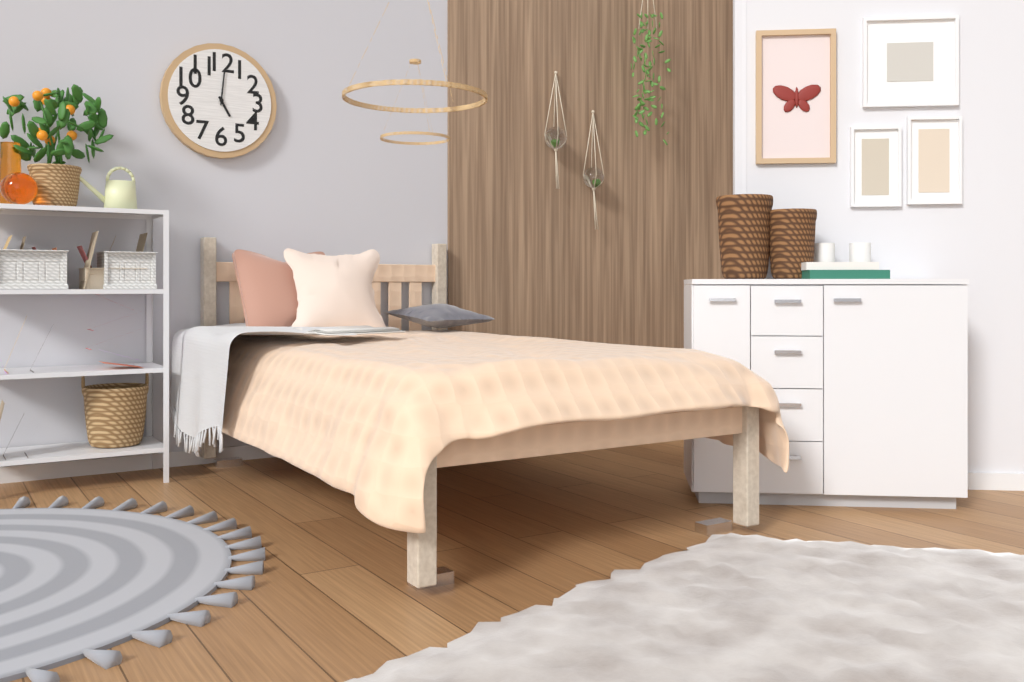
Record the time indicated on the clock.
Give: 5:01
